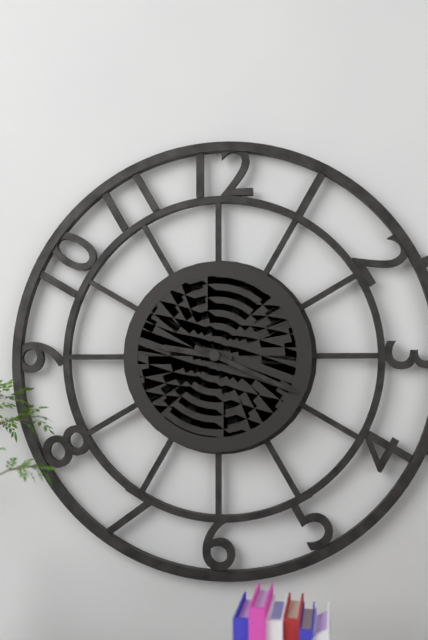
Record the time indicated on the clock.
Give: 9:19
